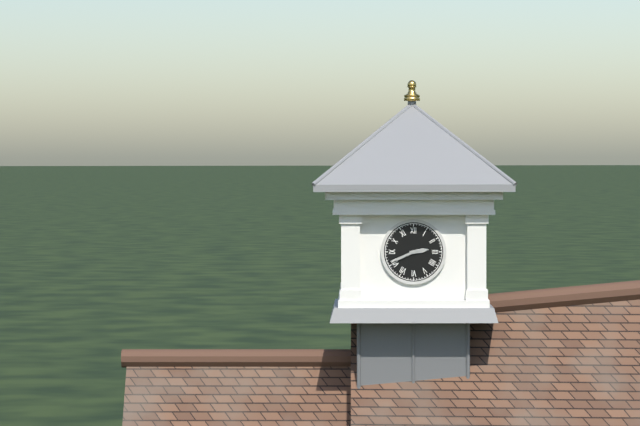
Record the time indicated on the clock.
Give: 2:41
